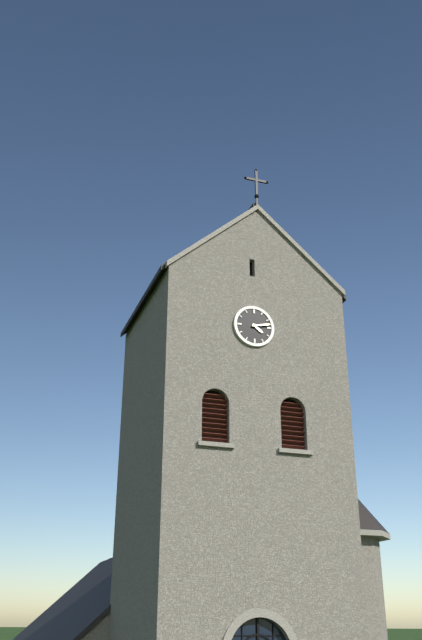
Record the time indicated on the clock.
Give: 4:13
